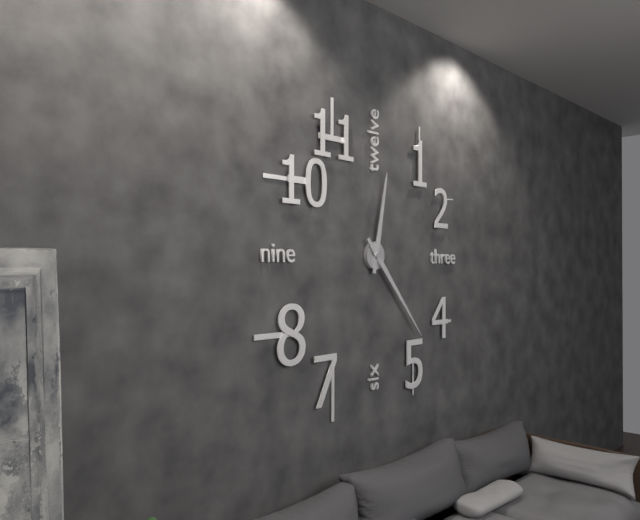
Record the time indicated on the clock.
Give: 12:23
